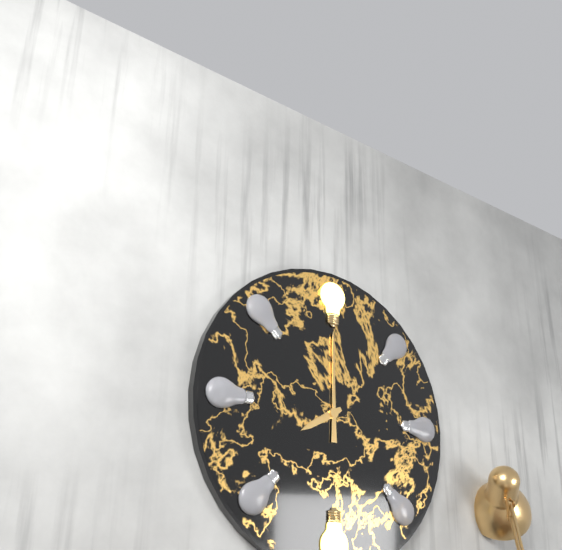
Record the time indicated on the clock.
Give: 8:00
